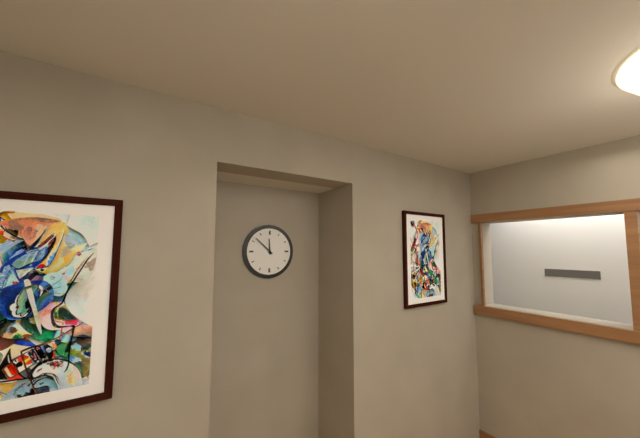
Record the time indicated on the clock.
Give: 11:52
